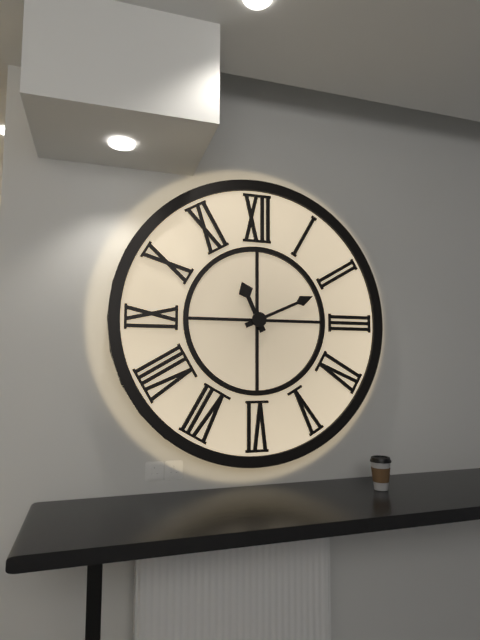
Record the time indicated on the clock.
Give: 11:11
